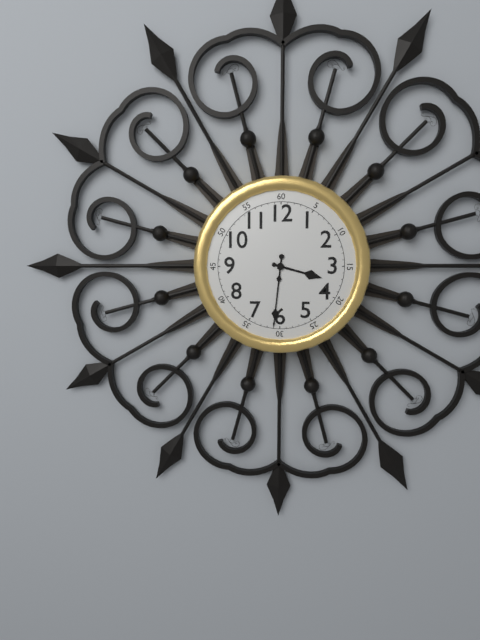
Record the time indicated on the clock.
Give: 3:31
